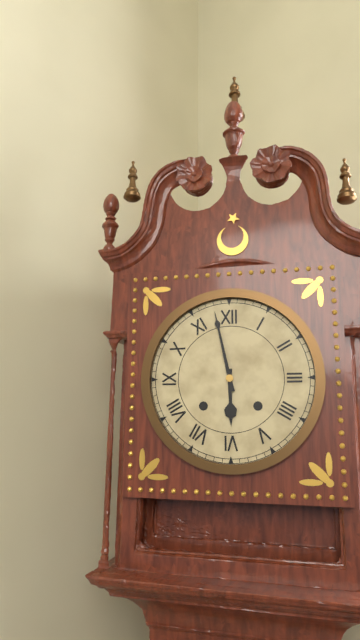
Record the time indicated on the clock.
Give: 5:58
